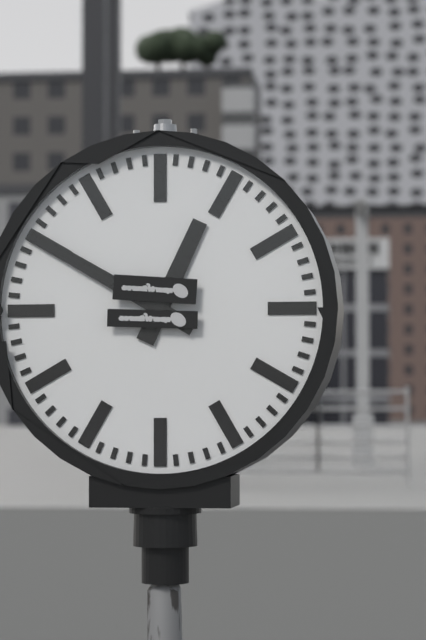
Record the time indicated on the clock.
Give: 12:50
